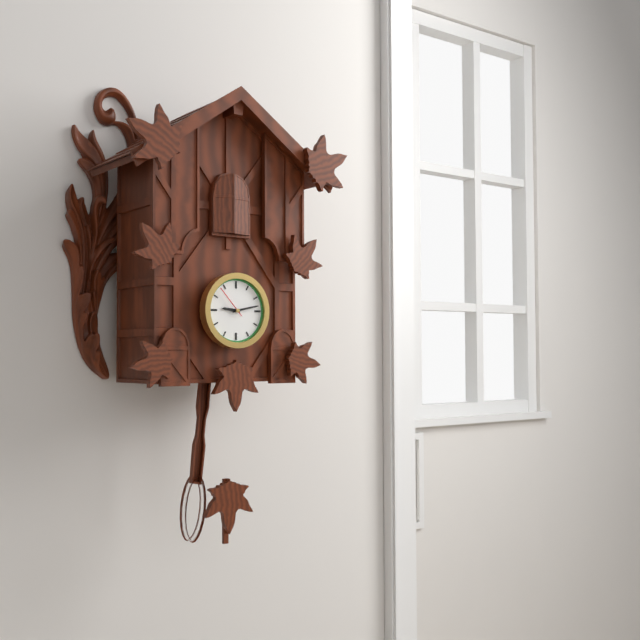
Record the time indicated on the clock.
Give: 9:13
